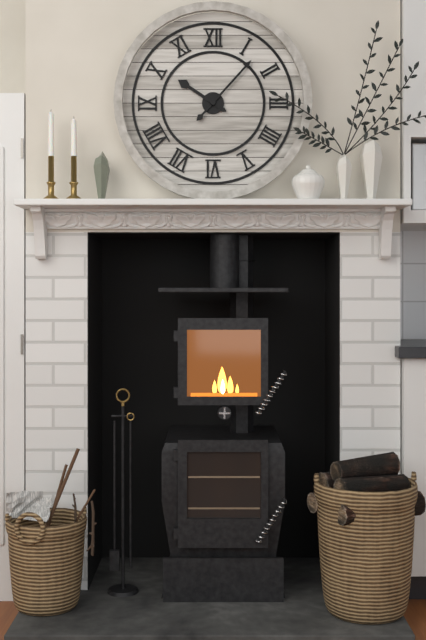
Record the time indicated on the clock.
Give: 10:07
